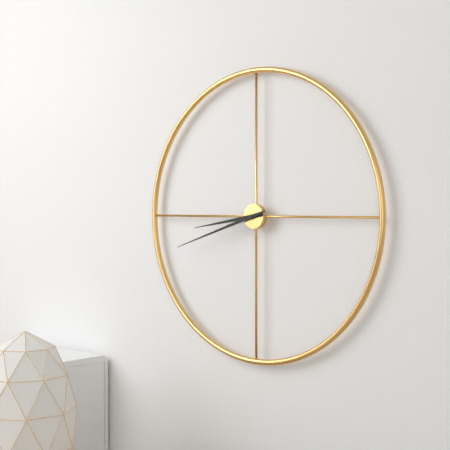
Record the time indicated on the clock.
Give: 8:42
